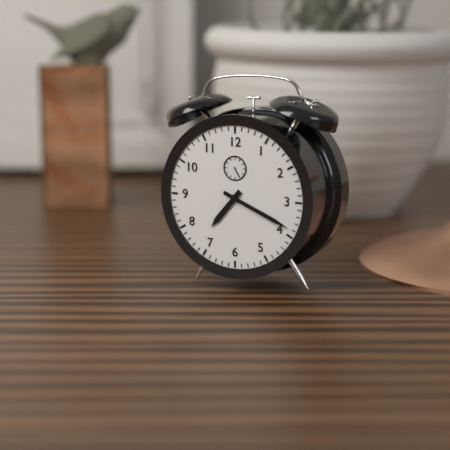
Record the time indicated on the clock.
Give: 7:19
